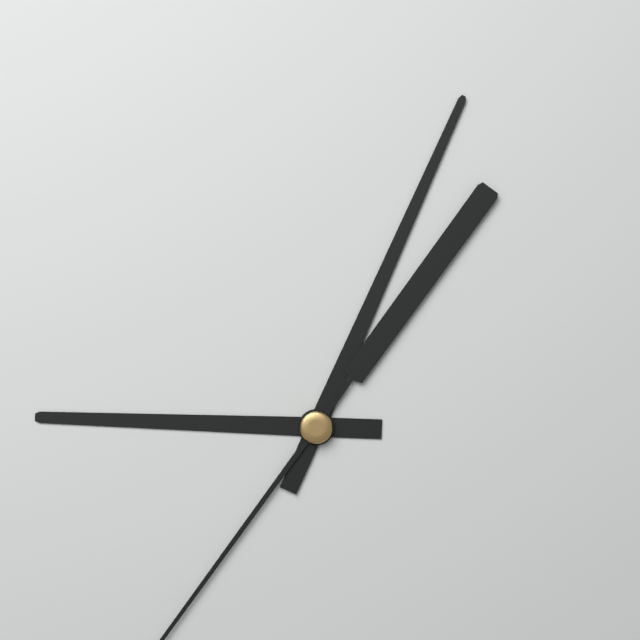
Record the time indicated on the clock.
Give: 9:04
